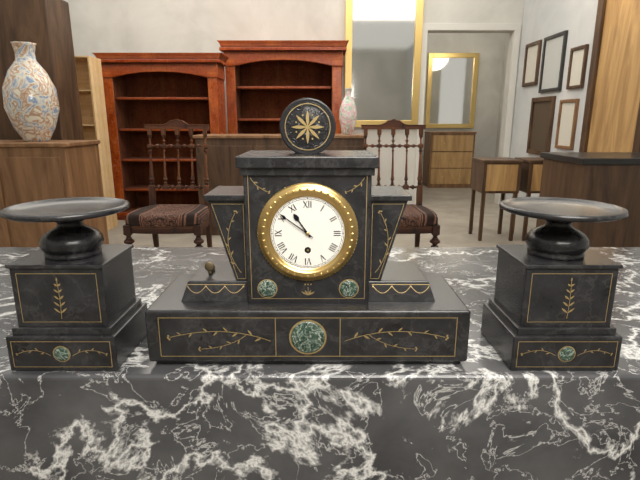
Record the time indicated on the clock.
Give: 10:51
